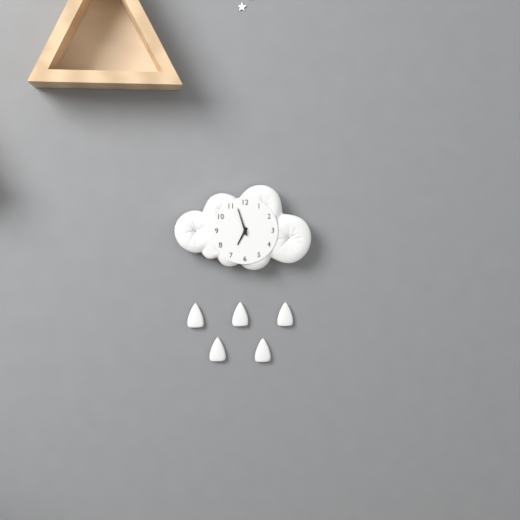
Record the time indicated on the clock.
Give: 6:57
